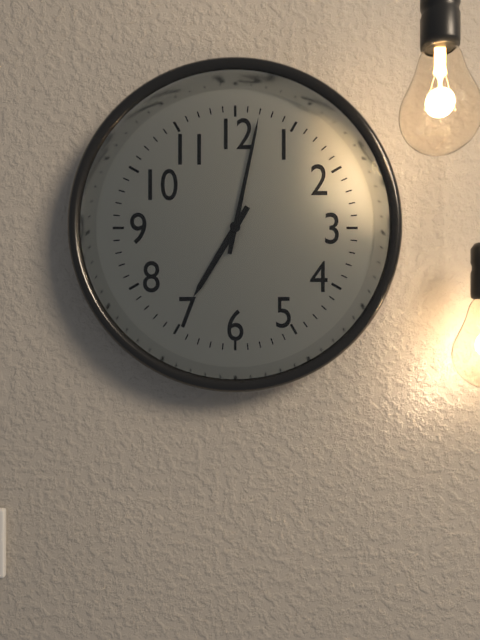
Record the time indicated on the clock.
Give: 7:02
